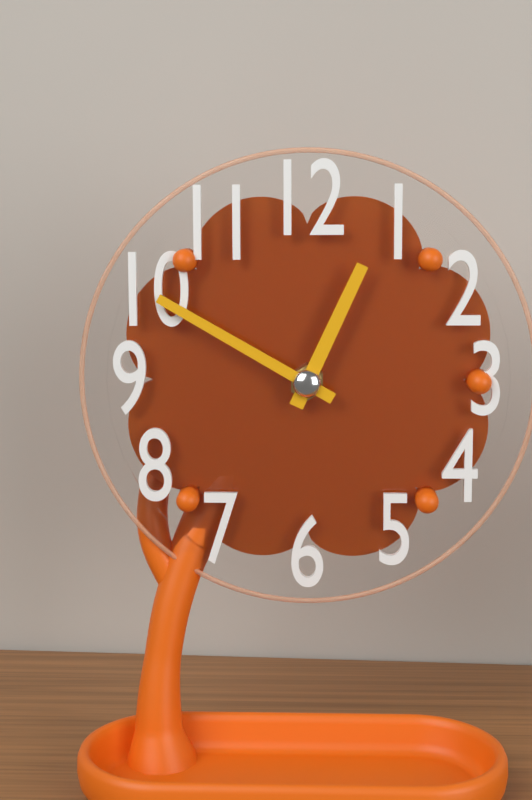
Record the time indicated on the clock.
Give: 12:50
